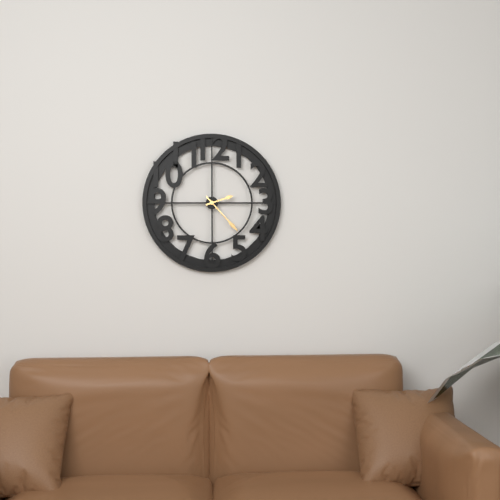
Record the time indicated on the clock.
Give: 2:23
